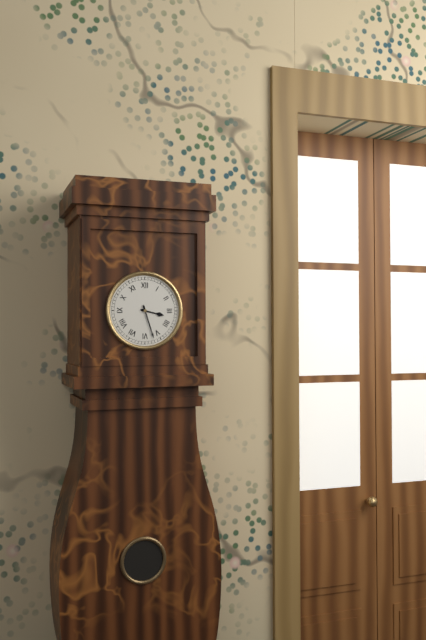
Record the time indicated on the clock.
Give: 3:27
